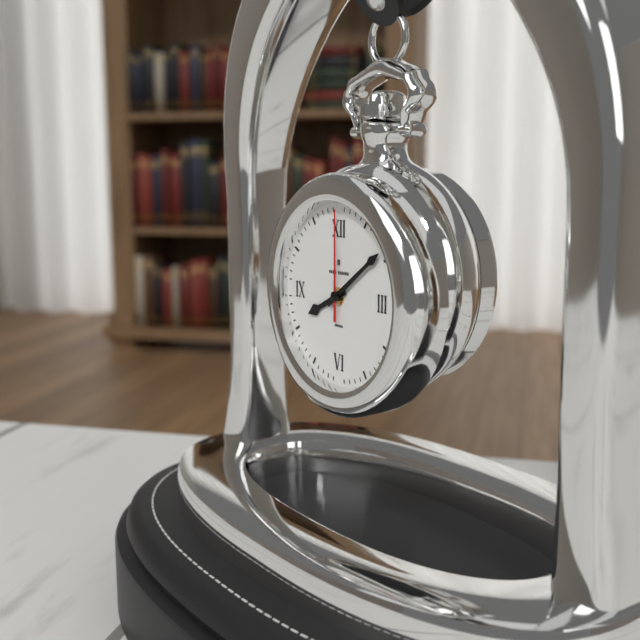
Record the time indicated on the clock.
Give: 8:09:00
